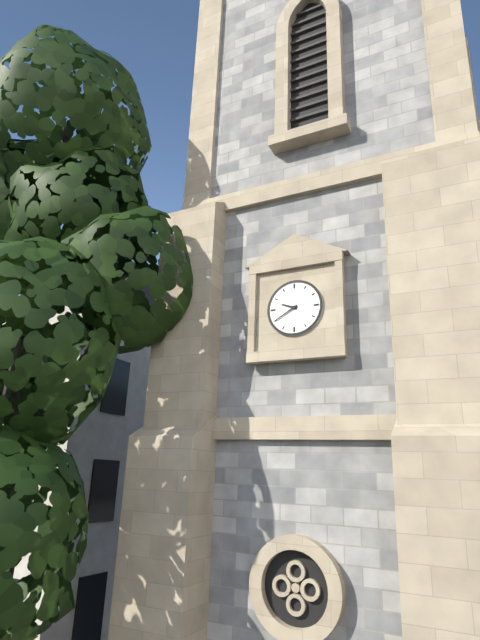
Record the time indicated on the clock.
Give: 9:40
